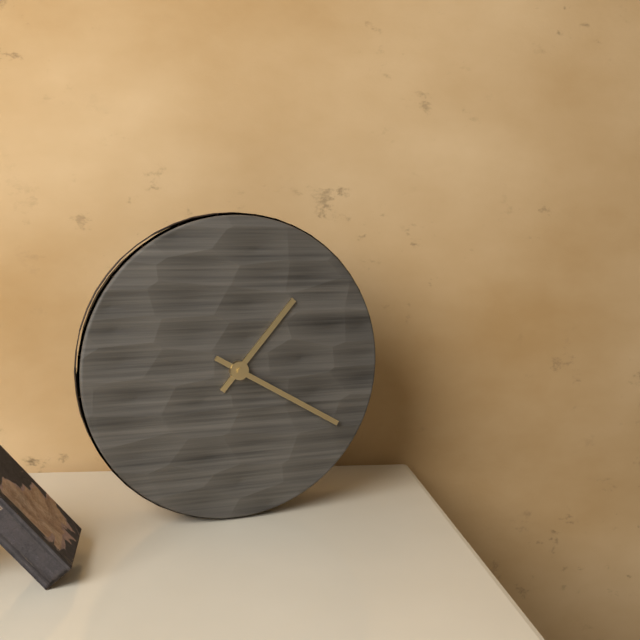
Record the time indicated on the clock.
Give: 1:20
